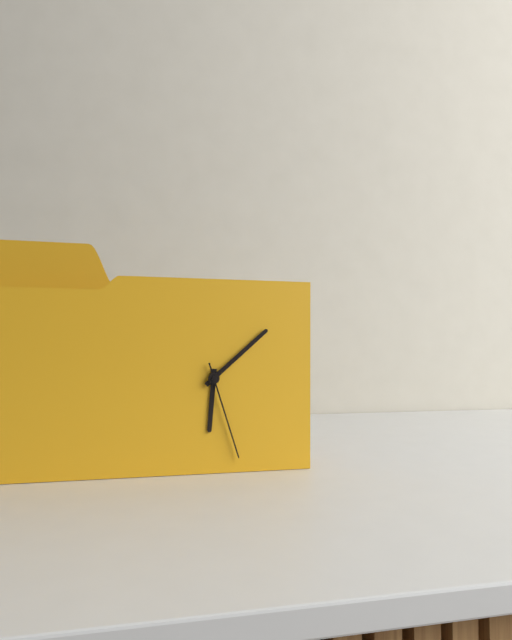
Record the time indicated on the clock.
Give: 6:08:27
